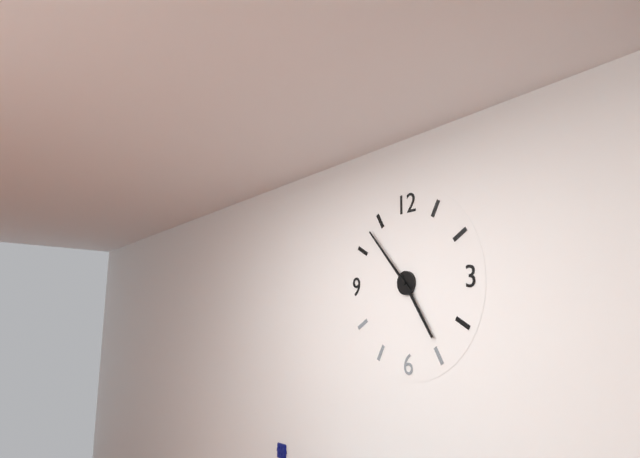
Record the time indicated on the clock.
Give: 4:53
